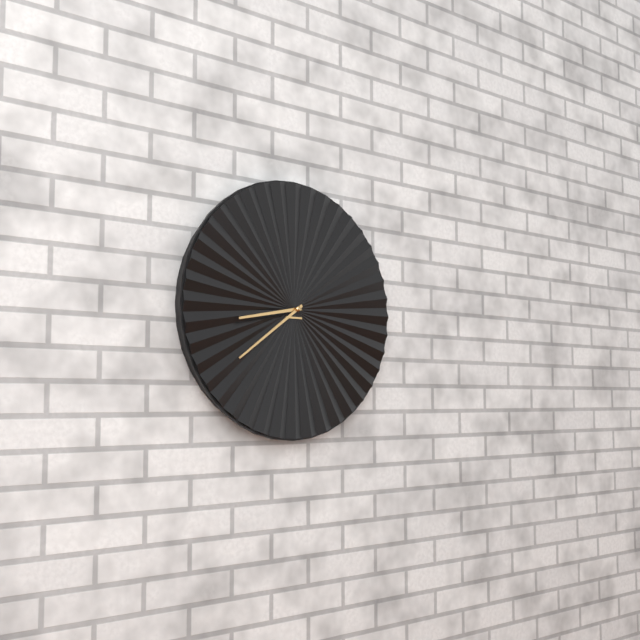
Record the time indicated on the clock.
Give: 8:39
